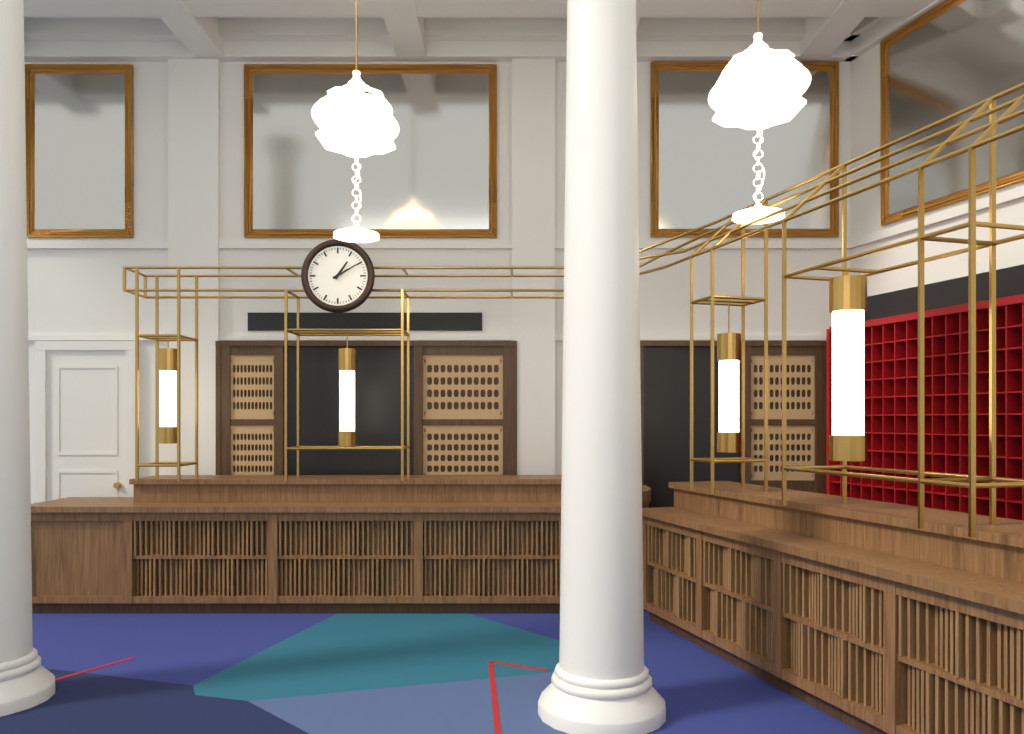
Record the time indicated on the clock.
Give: 1:10
